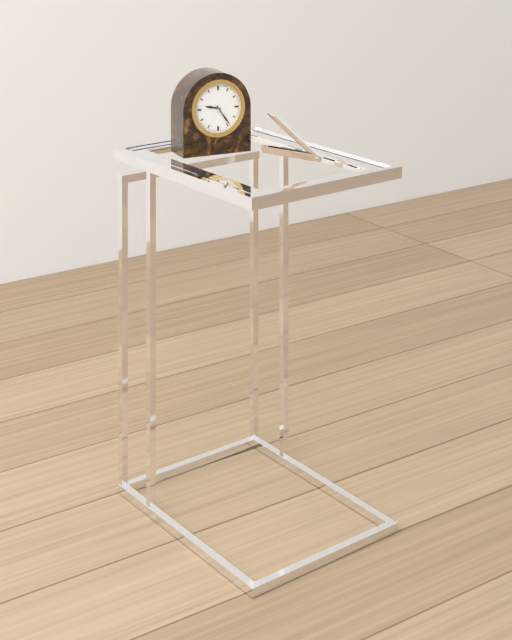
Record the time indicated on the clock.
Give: 9:24
